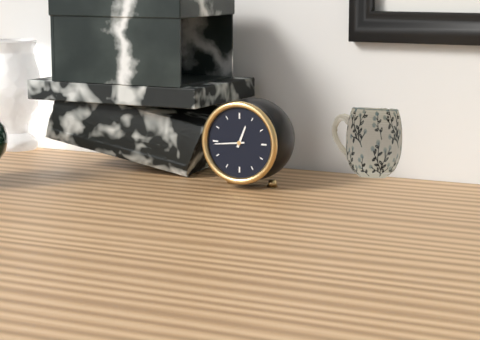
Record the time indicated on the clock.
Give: 12:44
